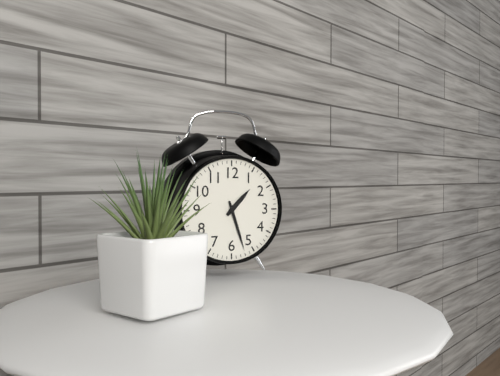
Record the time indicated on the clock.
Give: 1:27
